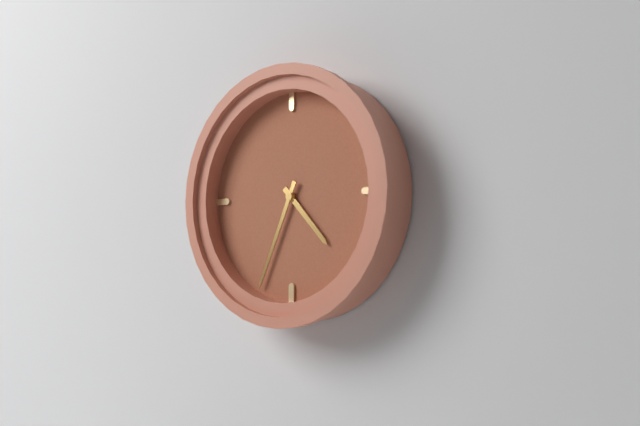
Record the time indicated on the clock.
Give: 4:34
